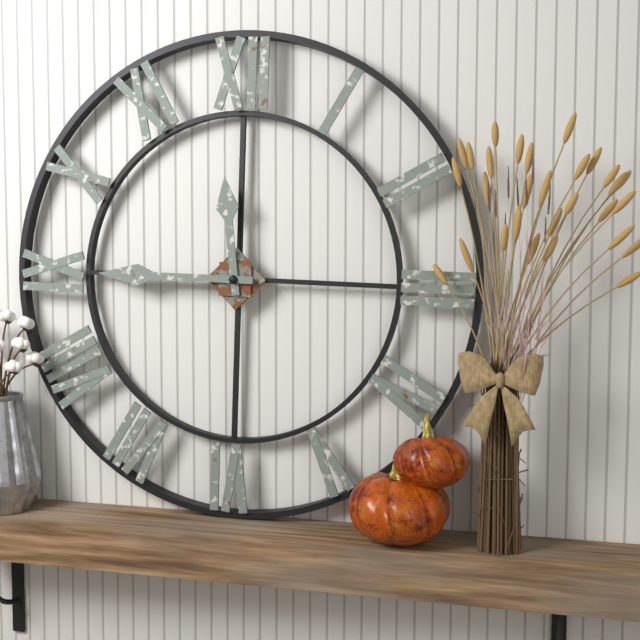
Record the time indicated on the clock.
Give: 11:45
